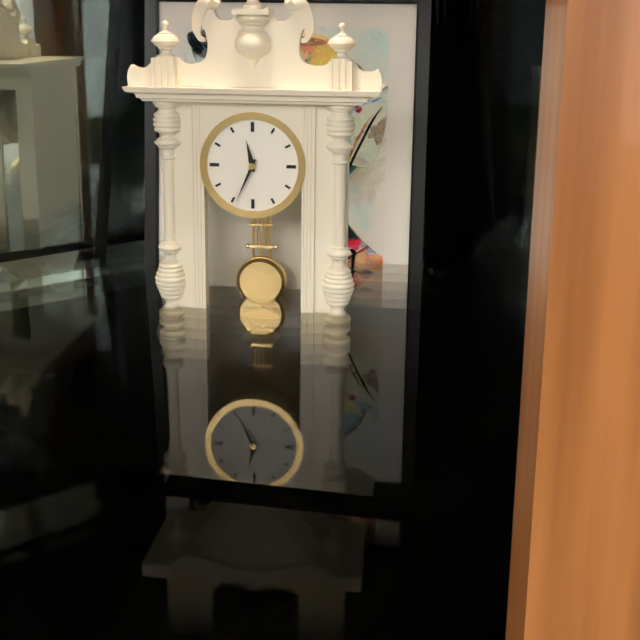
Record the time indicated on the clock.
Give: 11:34
